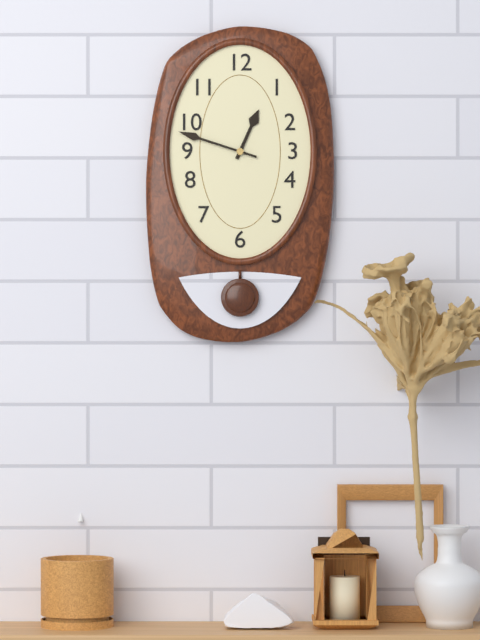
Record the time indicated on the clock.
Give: 12:48
